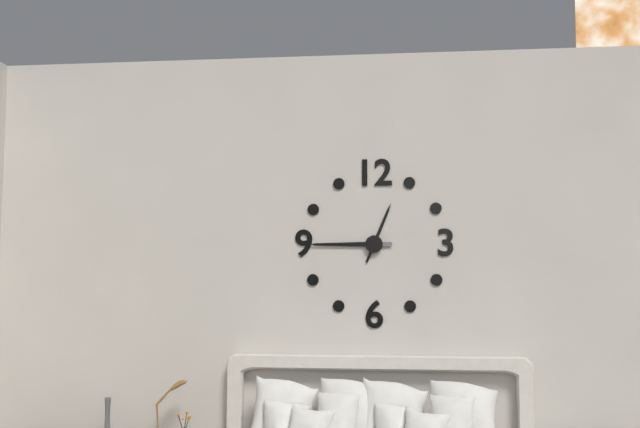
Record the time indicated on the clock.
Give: 12:45
